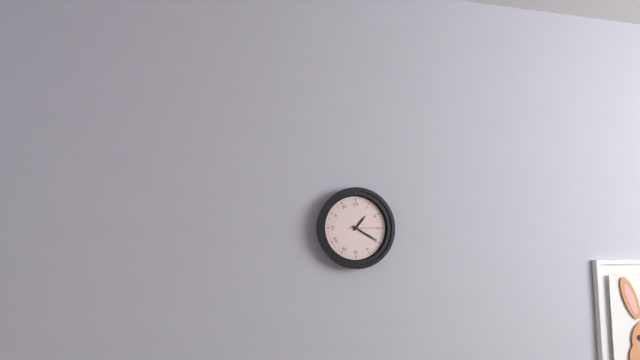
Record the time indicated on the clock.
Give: 1:20
